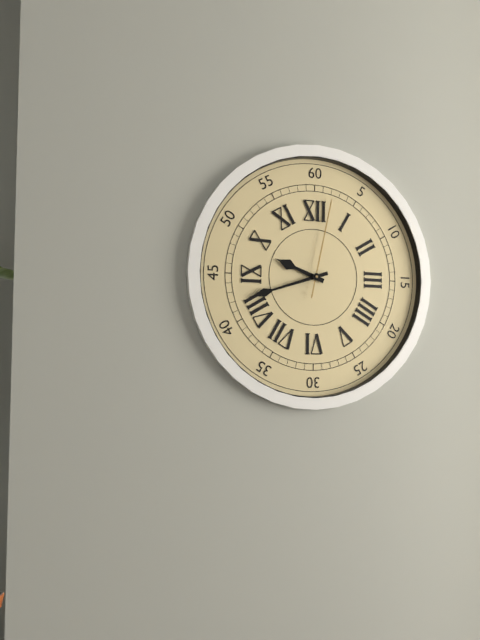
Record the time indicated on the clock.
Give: 9:42:02
